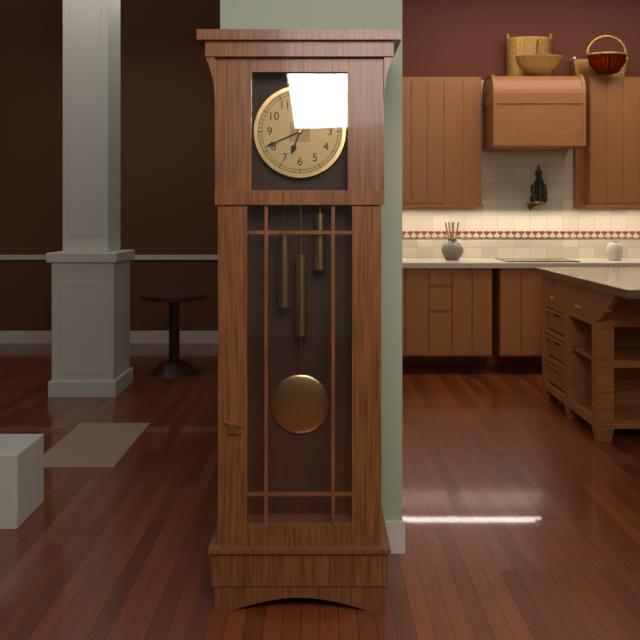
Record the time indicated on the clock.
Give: 6:41
